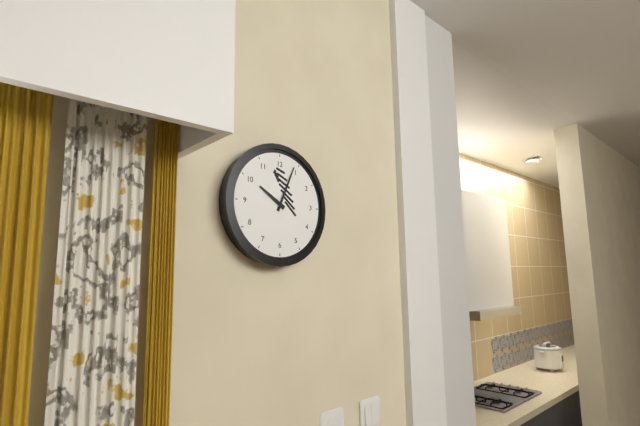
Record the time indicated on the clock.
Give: 10:04
